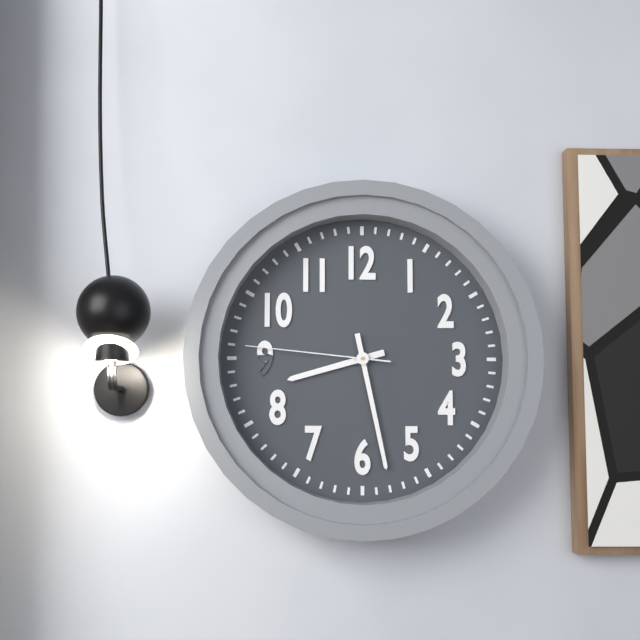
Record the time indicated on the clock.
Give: 8:28:46
